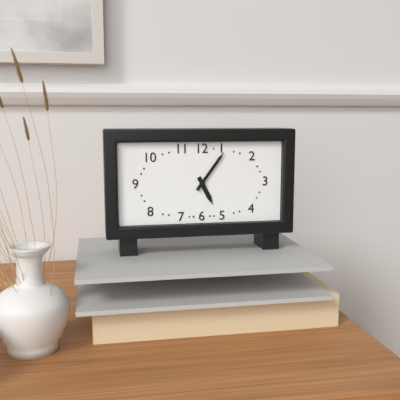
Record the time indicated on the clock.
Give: 5:06
